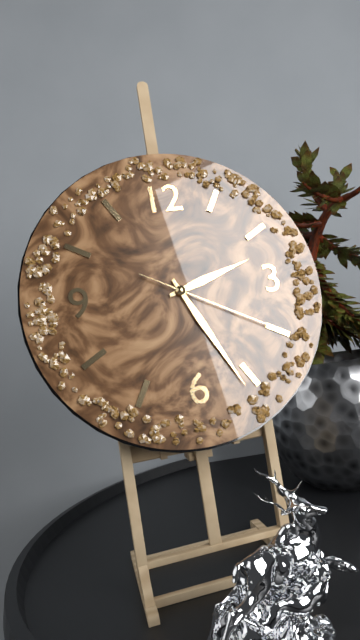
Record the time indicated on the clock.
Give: 2:26:20
